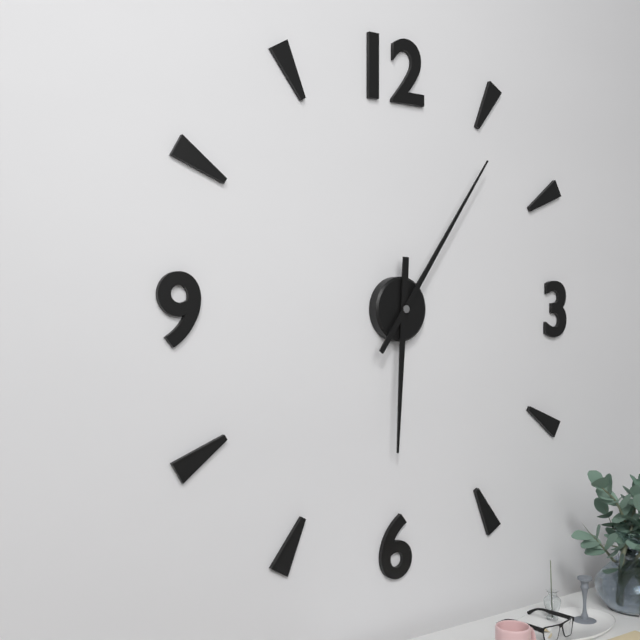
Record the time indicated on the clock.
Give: 6:06
